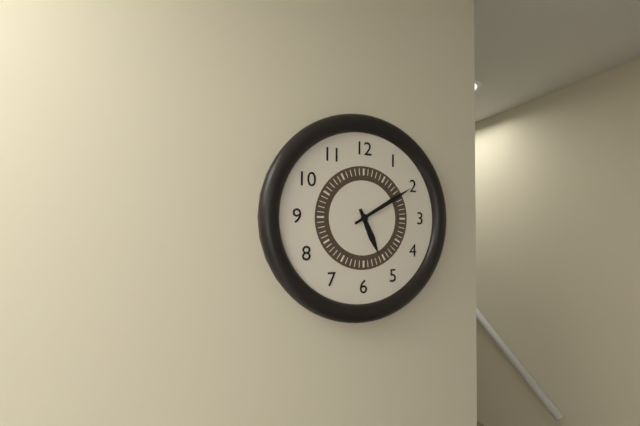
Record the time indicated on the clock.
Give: 5:10
